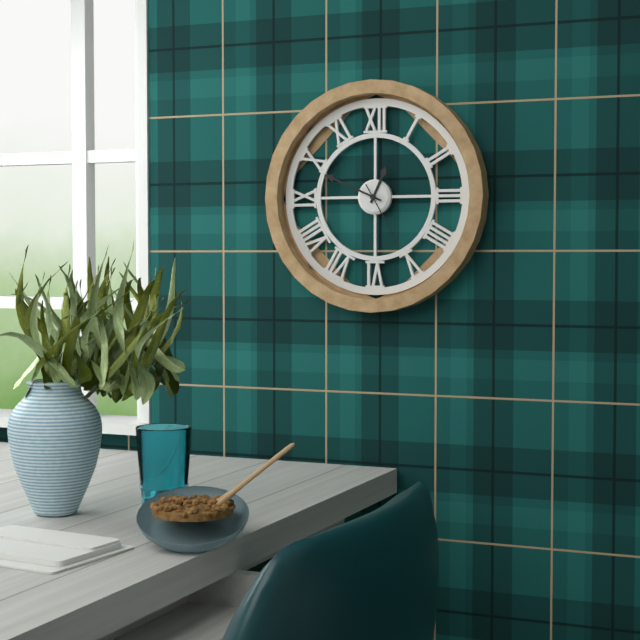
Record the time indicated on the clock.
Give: 12:49:25
